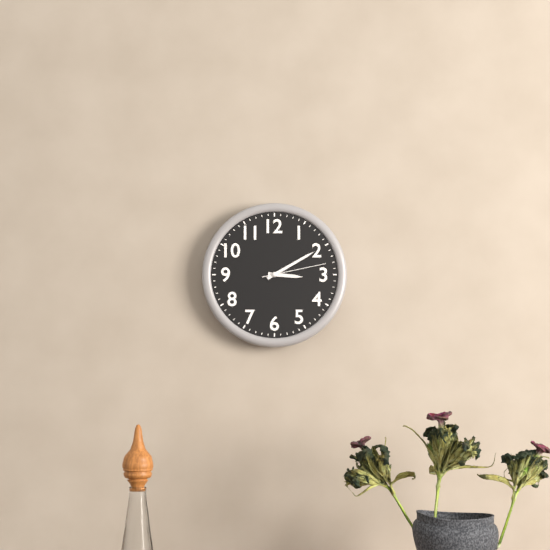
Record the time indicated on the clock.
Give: 3:10:13
